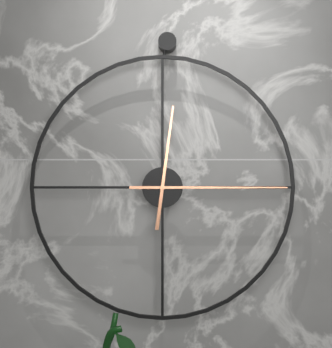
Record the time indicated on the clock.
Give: 12:15
